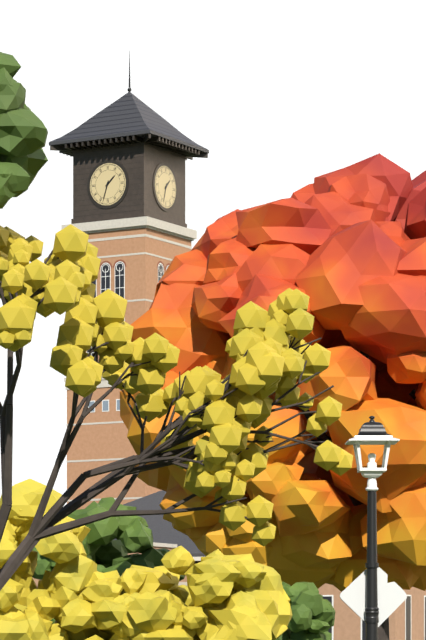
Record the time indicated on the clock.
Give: 1:33
